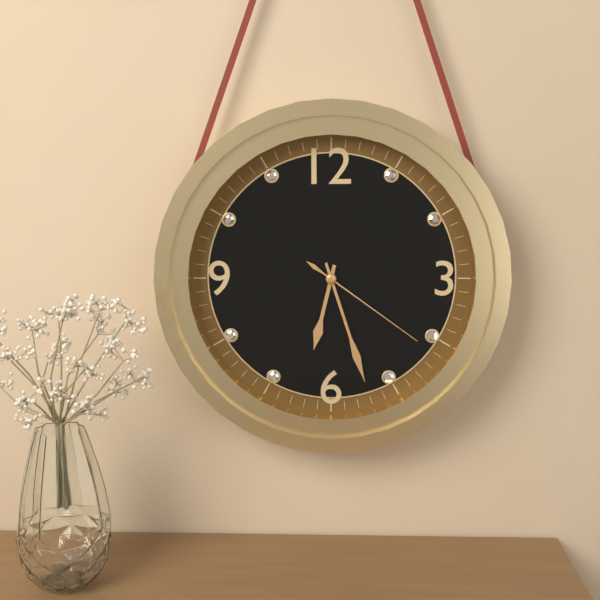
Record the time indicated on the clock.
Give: 6:27:21
